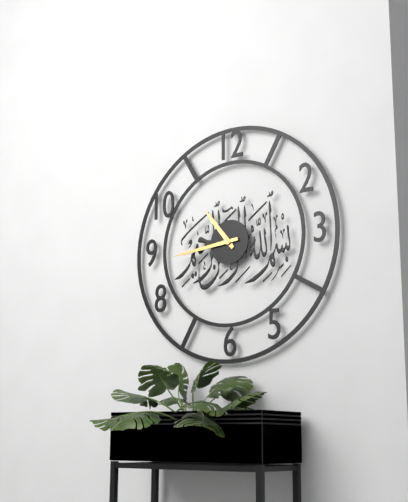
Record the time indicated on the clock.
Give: 10:44
